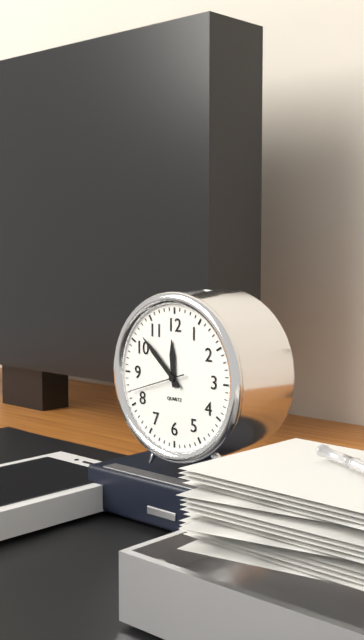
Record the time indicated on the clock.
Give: 11:52:42
